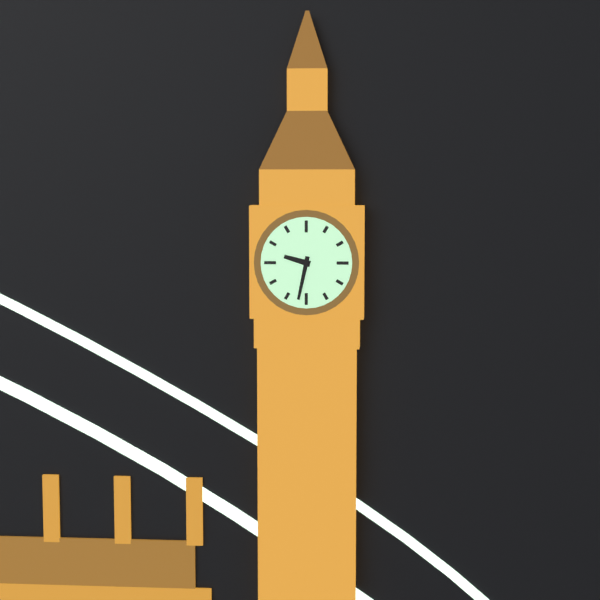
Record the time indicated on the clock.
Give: 9:32
